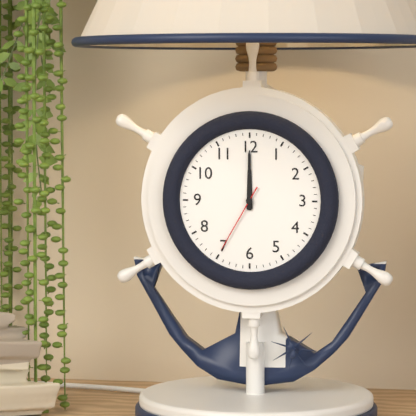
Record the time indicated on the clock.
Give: 12:00:35
